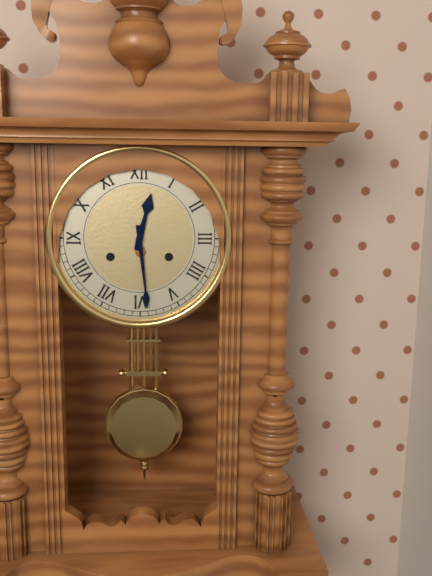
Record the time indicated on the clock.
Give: 12:29
